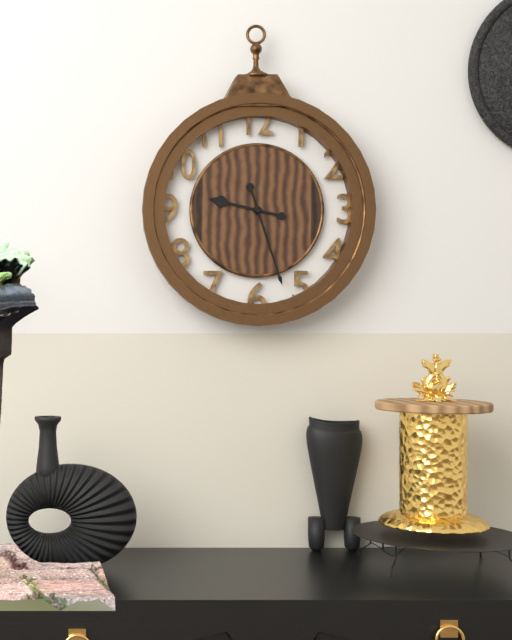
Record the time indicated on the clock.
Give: 9:27
